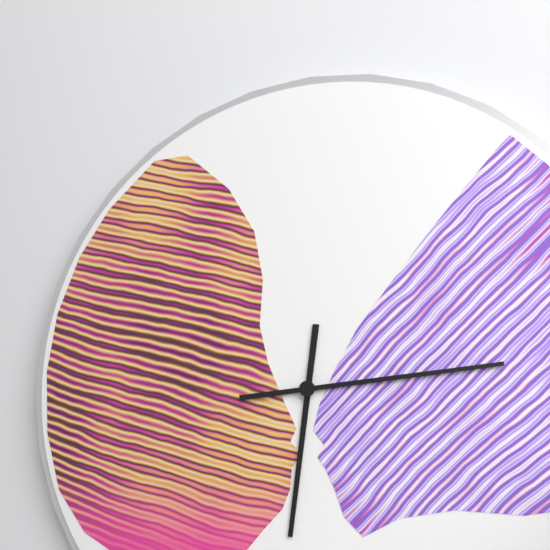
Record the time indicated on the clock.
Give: 6:14
